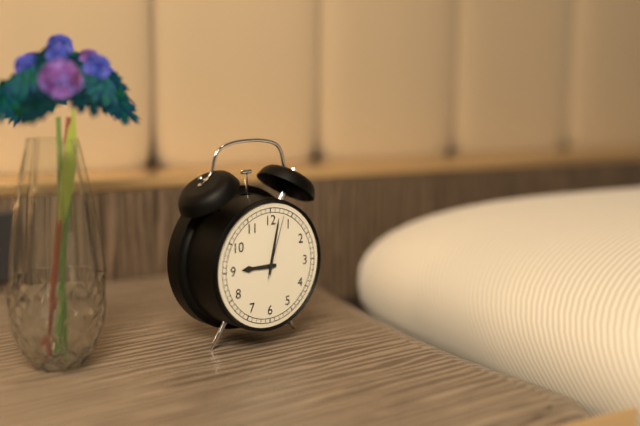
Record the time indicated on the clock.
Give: 9:02:03
